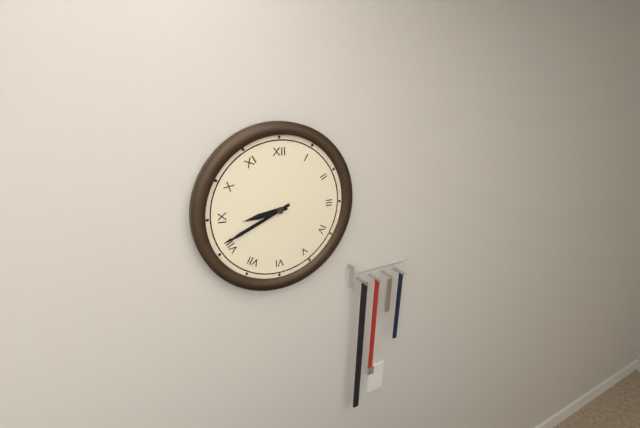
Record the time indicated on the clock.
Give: 8:41
